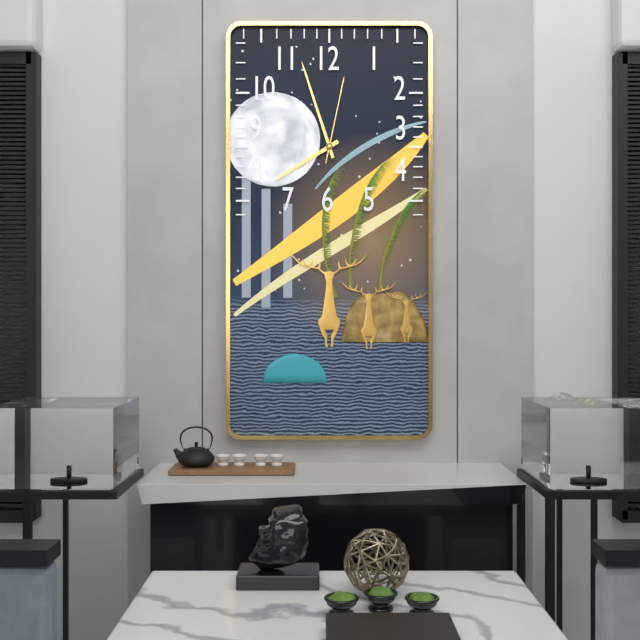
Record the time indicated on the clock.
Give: 7:57:02
